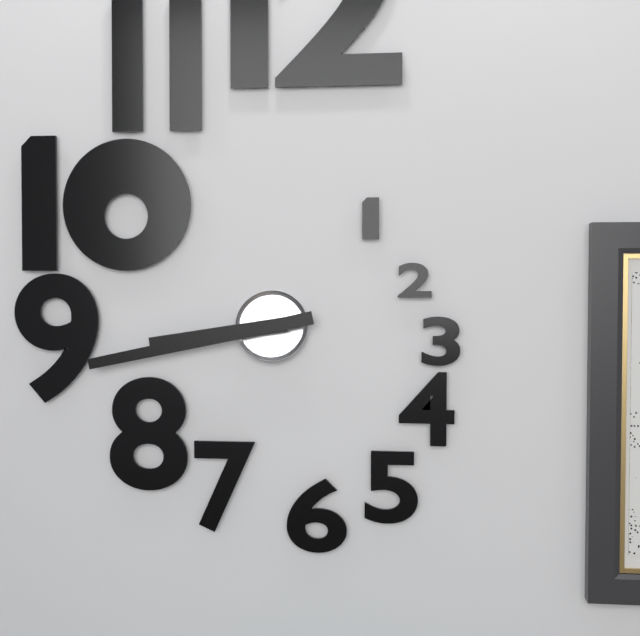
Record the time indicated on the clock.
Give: 8:43
